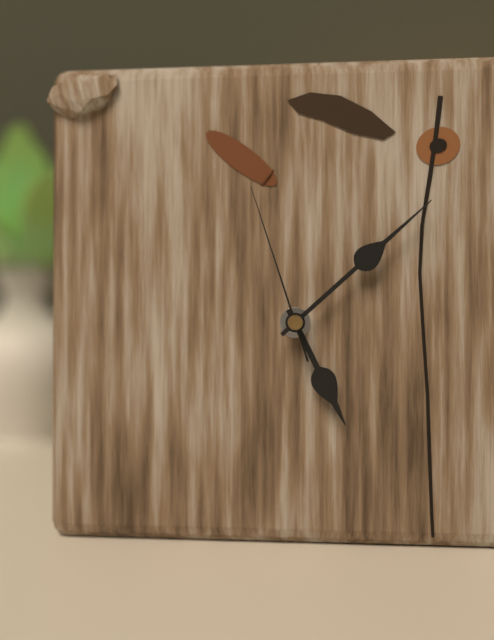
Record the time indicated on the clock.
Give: 5:08:57
